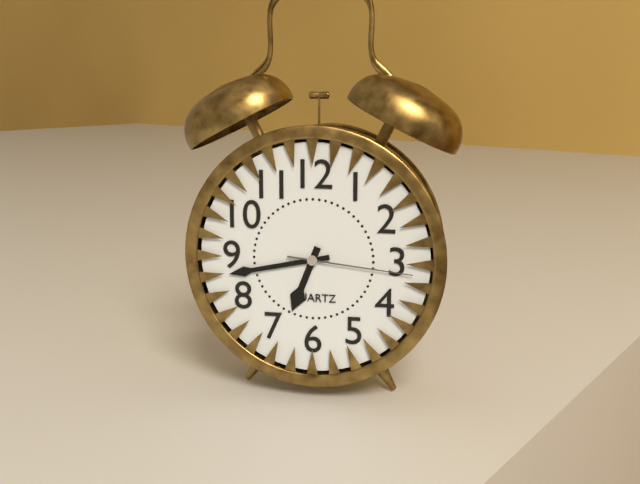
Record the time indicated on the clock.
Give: 6:43:16
